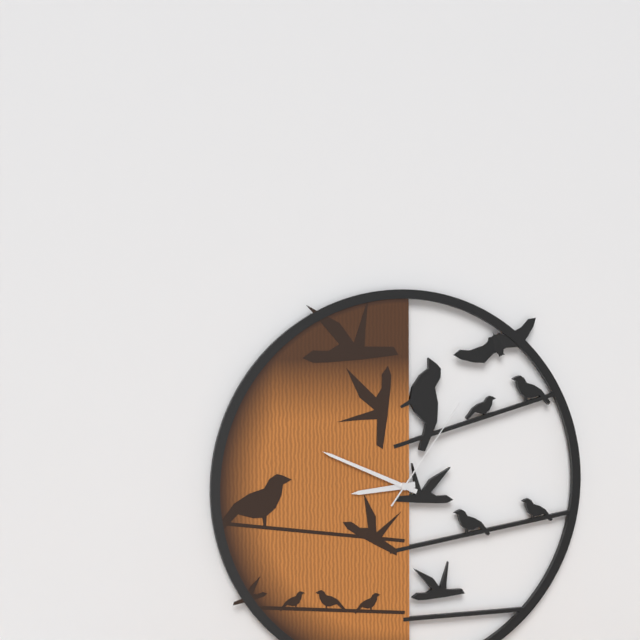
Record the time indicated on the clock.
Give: 8:49:06
